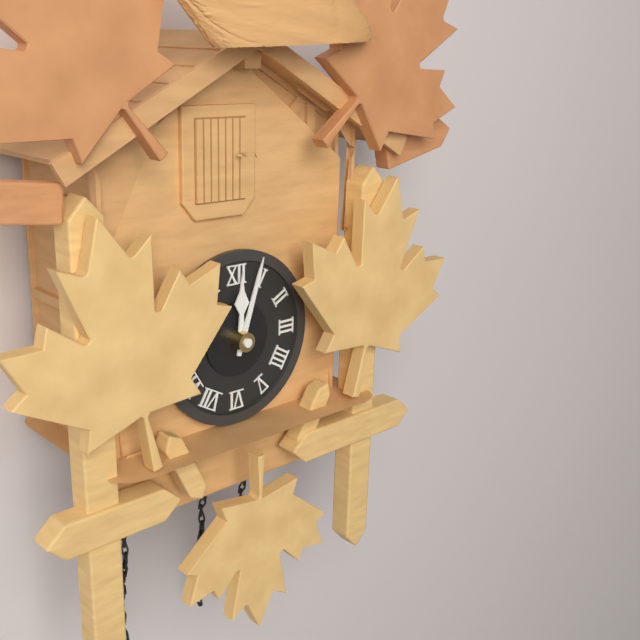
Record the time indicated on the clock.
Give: 12:03
